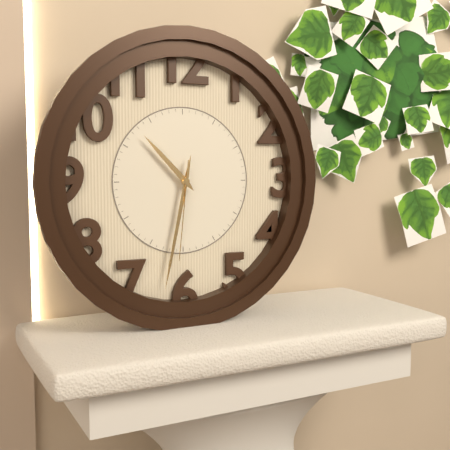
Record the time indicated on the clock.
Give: 10:32:31
